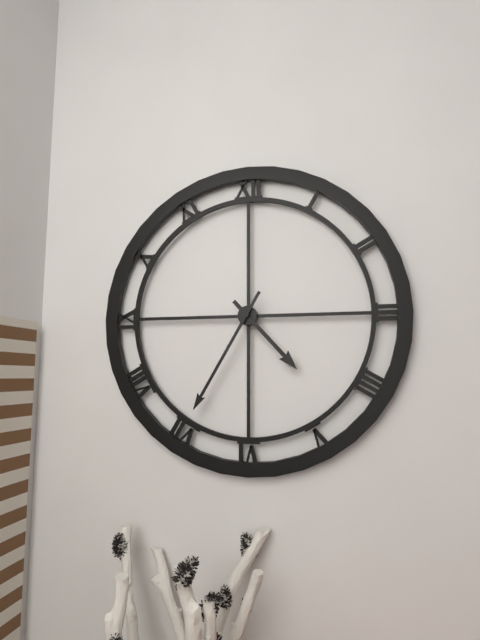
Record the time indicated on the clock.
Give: 4:35
